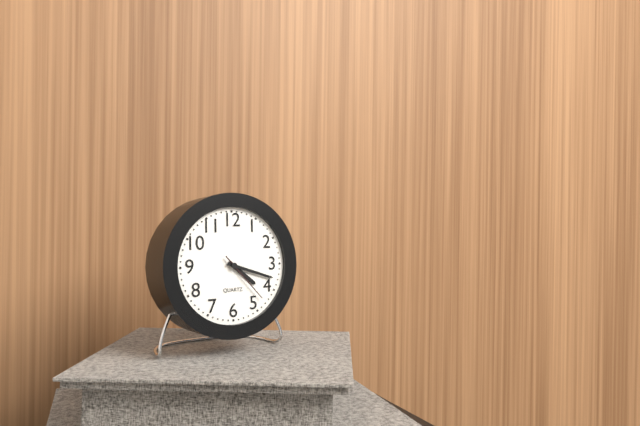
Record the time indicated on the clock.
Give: 4:18:23
